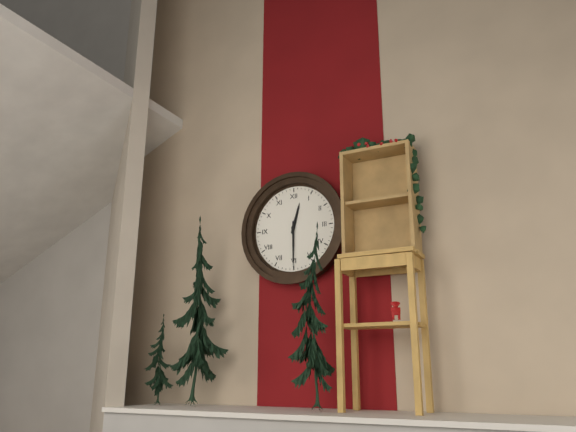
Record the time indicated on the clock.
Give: 12:30
